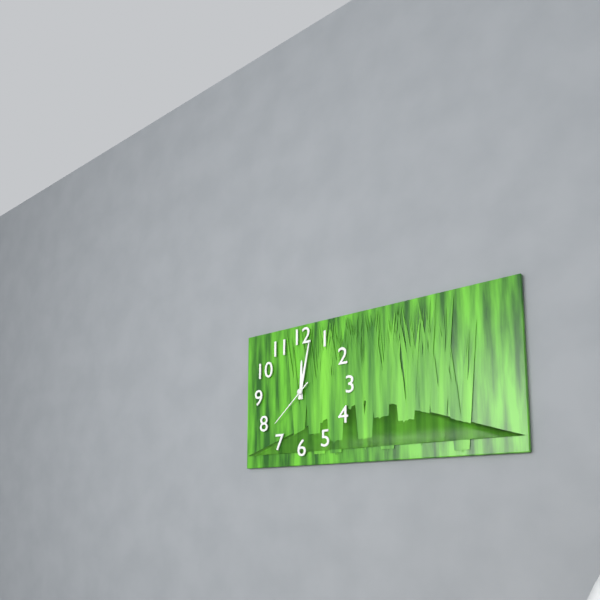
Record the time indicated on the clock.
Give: 12:02:38
